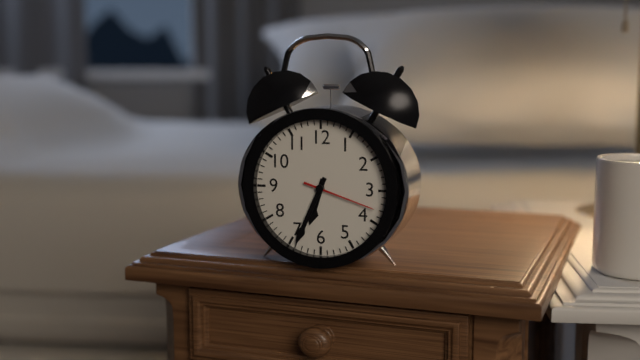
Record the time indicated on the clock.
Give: 6:34:18
